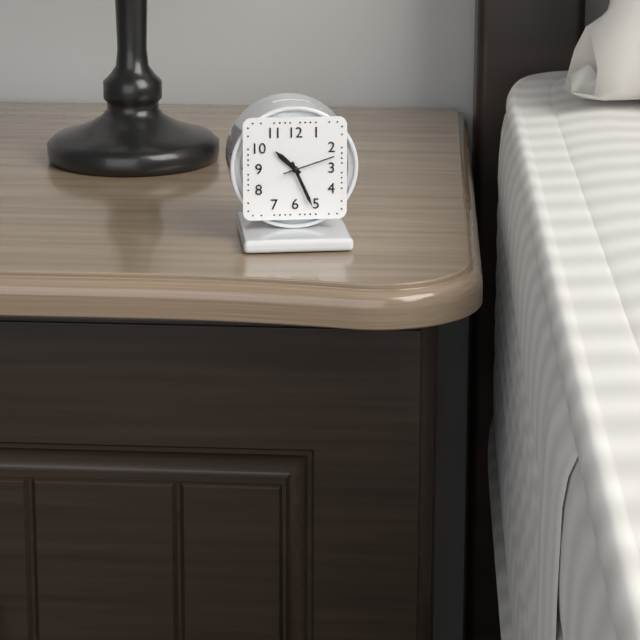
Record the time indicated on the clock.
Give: 10:26:12
